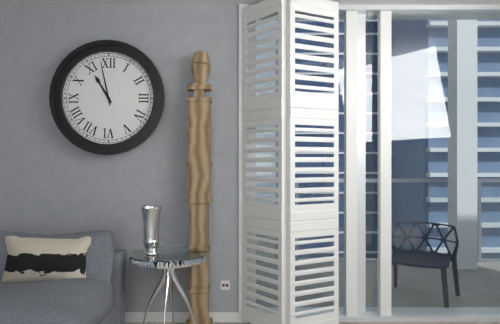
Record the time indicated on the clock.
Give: 10:58
